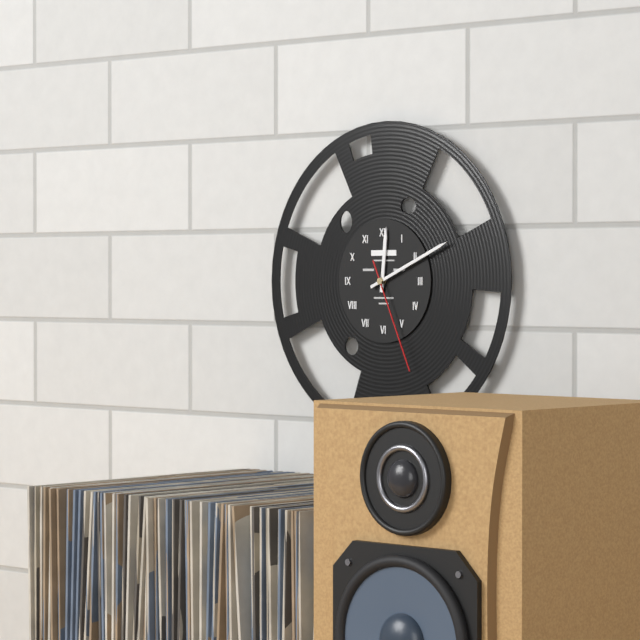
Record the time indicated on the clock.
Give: 12:11:26
